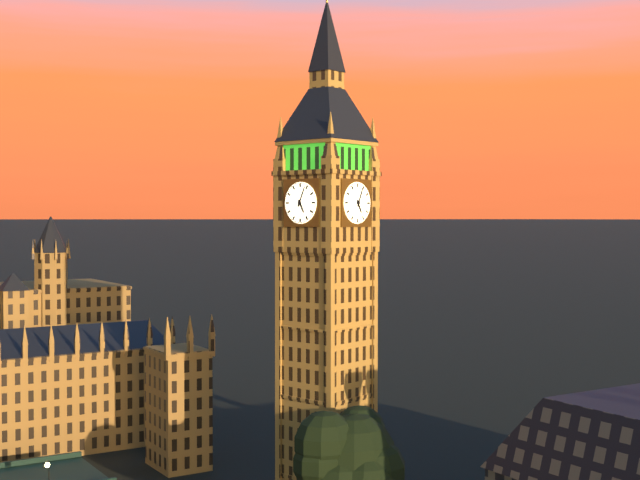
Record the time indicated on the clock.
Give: 5:04
